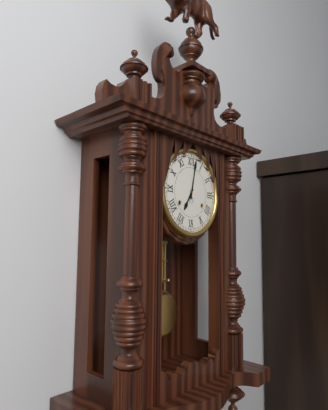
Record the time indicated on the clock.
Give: 7:02
